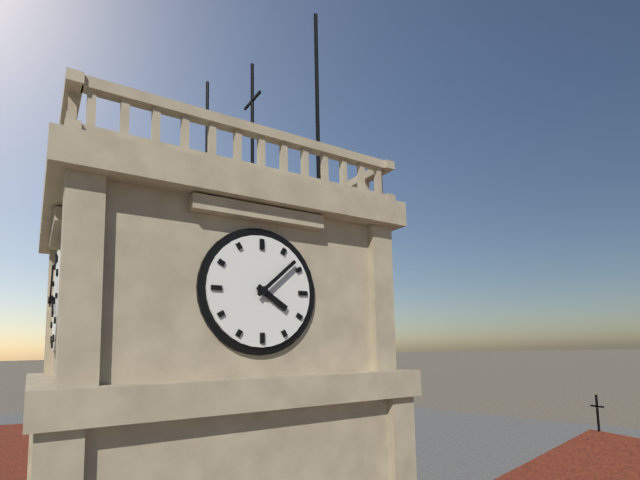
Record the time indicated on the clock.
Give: 4:08
